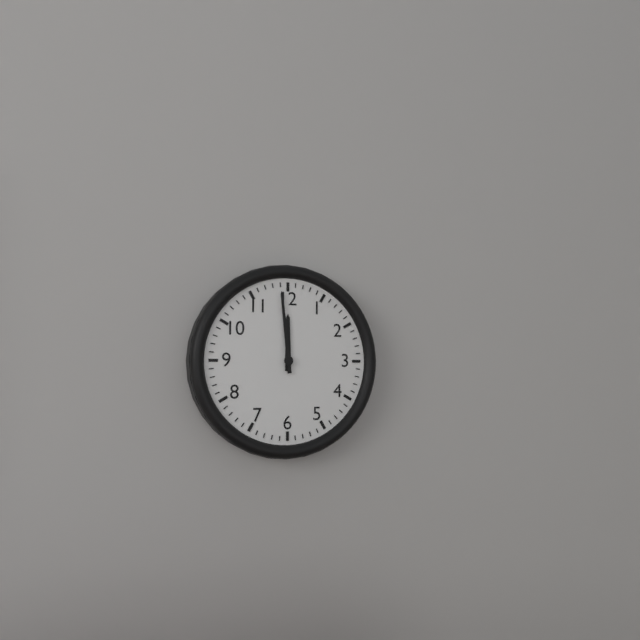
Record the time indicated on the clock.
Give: 11:59
